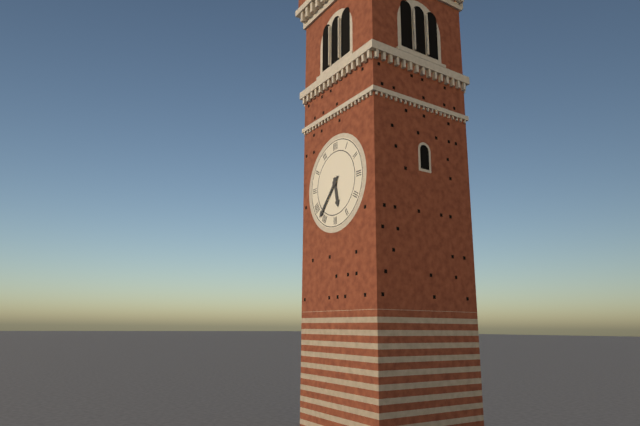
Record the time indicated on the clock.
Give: 5:37
